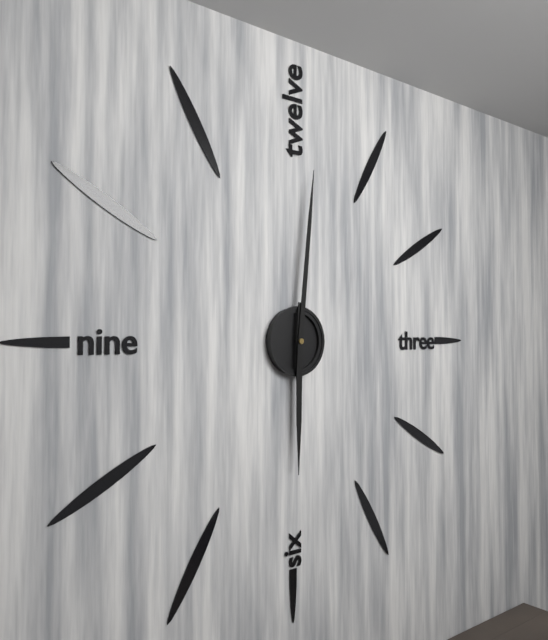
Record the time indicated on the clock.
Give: 6:01
